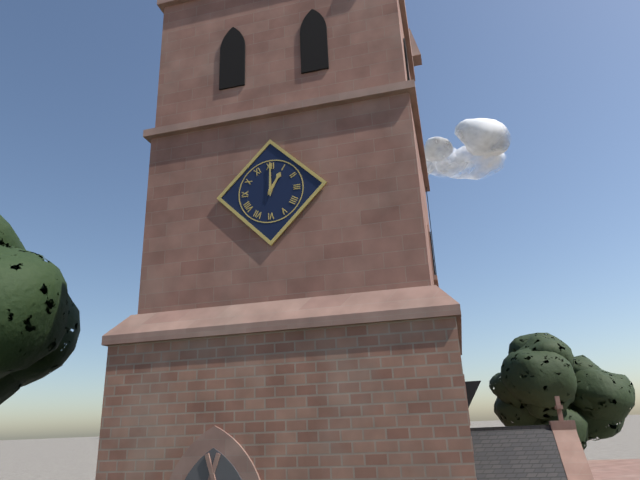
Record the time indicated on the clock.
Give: 1:00
